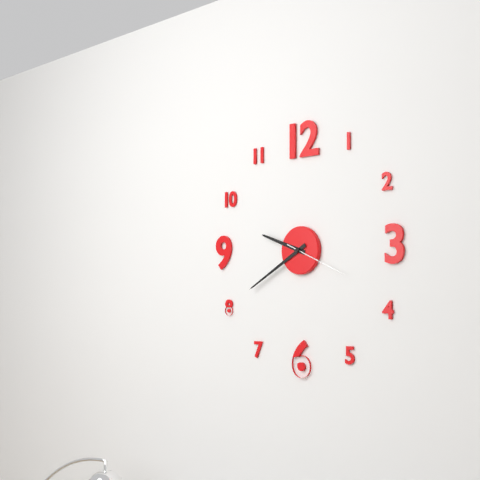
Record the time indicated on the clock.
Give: 9:40:19
